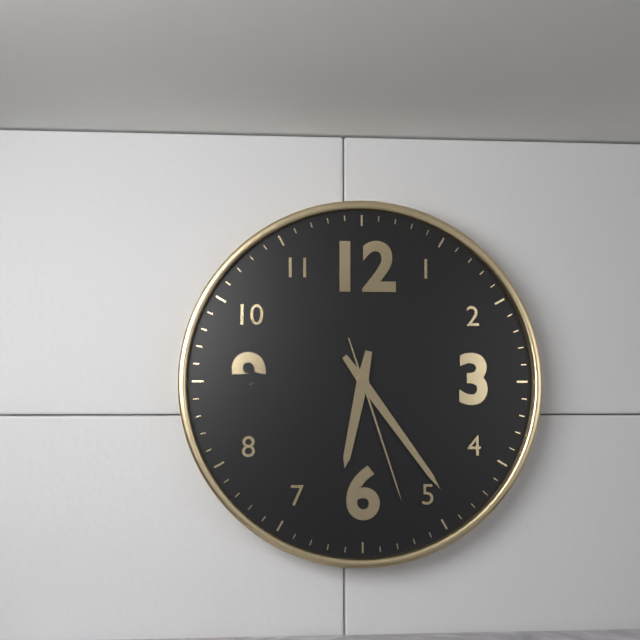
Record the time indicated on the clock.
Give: 6:24:27
